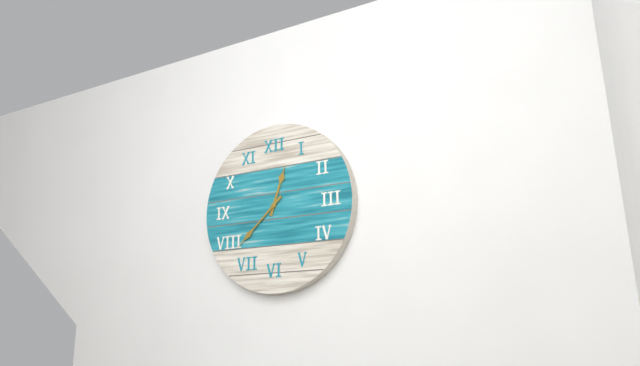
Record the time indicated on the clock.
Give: 12:38
